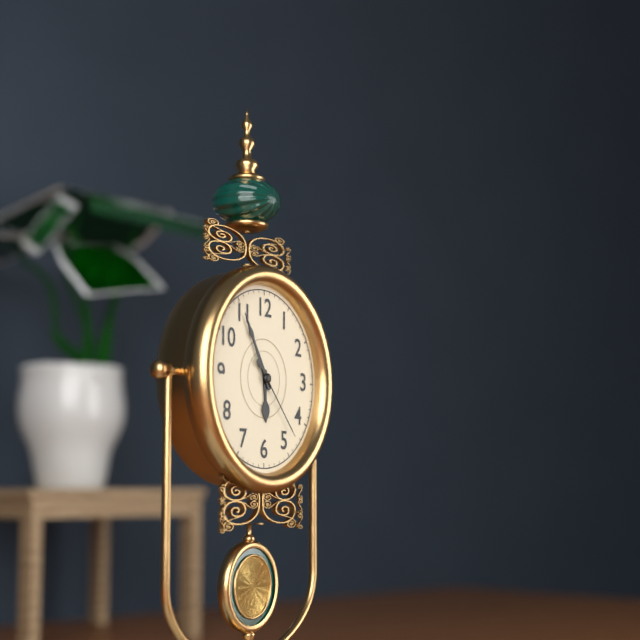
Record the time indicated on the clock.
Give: 5:55:23
